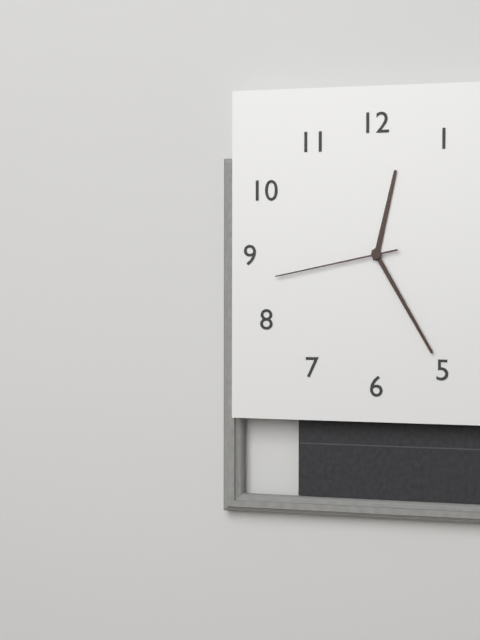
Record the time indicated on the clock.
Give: 12:25:43
